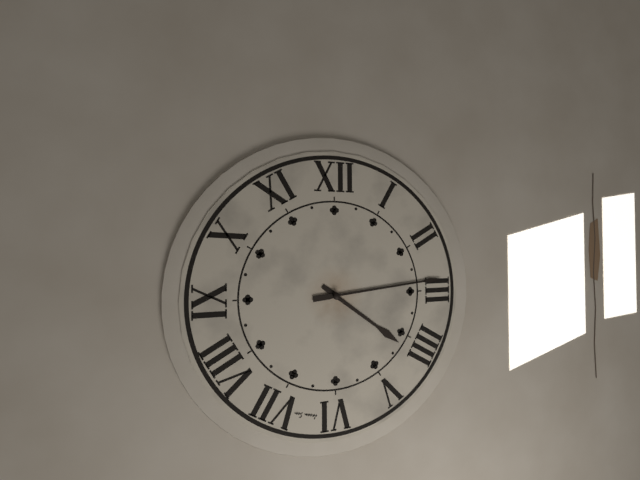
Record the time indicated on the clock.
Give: 4:14
